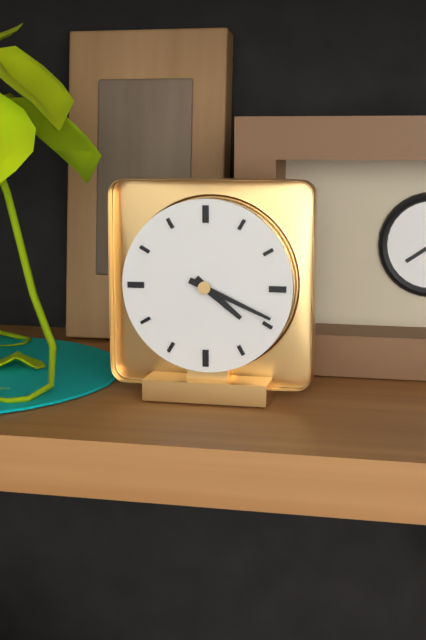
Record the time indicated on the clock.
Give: 4:19
